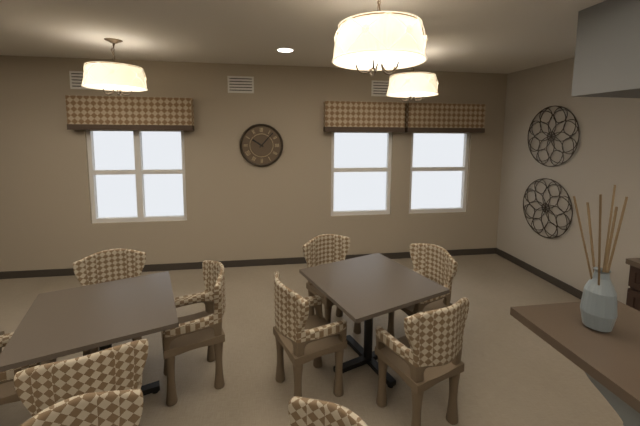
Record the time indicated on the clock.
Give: 10:07
